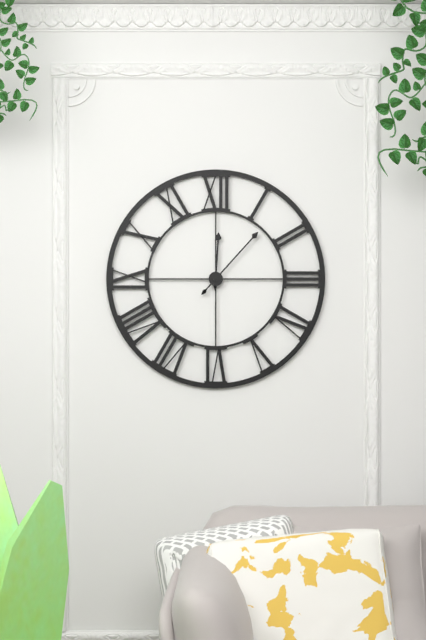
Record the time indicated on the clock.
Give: 12:07
